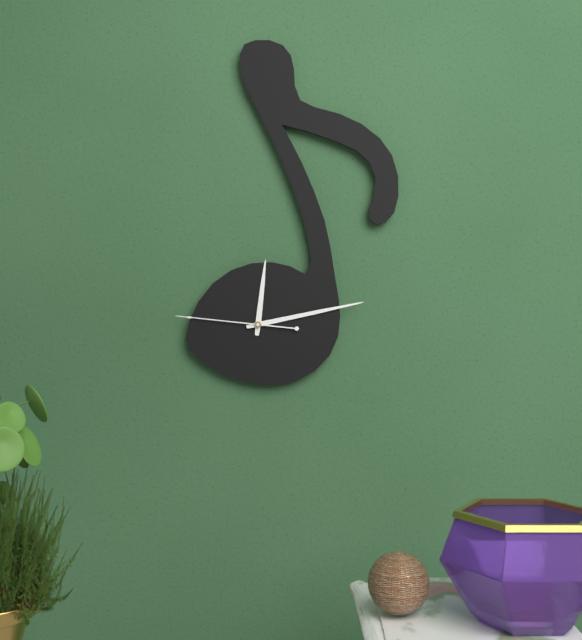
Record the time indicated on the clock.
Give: 12:13:46
